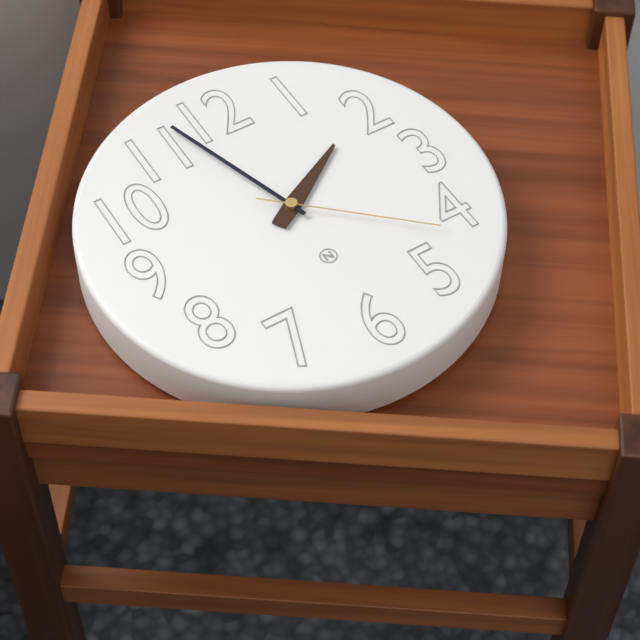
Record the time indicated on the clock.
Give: 1:57:22
